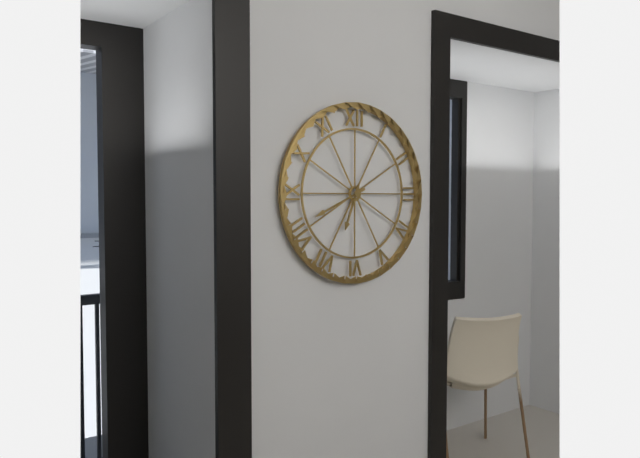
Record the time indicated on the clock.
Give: 6:41
